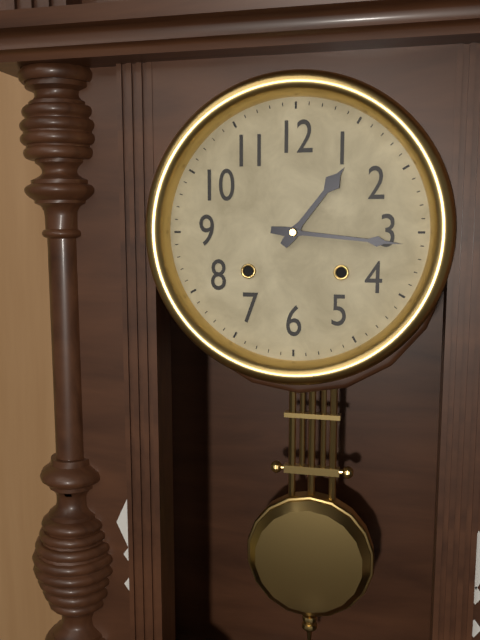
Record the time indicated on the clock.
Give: 1:16
